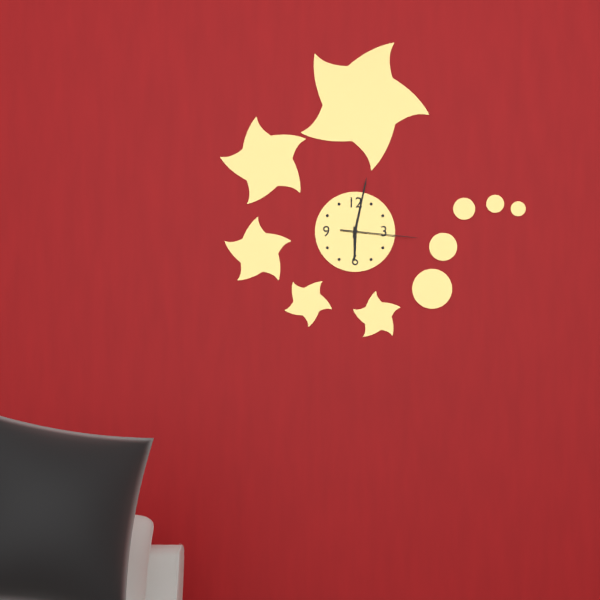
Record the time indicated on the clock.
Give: 6:02:16
